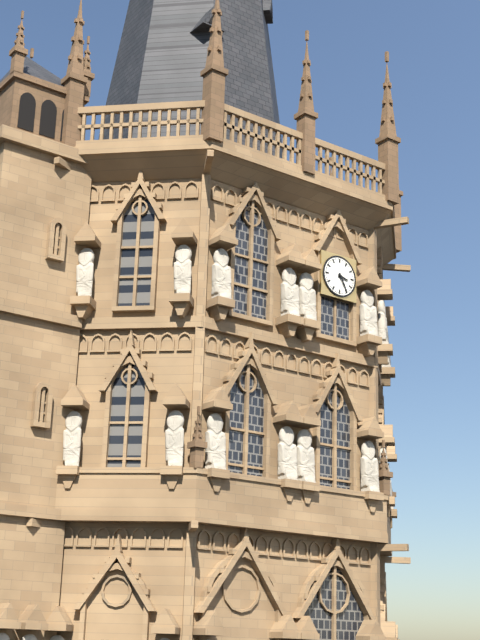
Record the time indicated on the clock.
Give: 3:25
